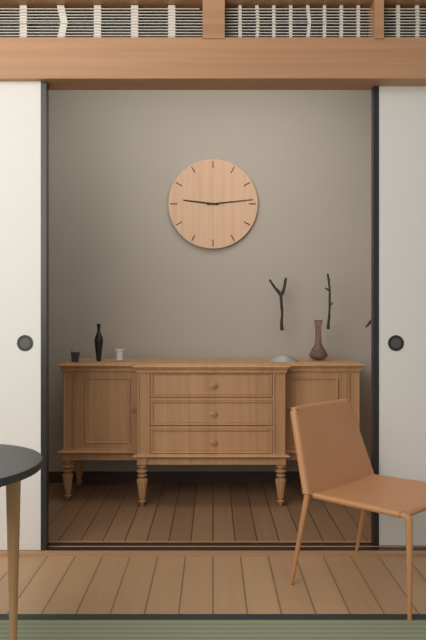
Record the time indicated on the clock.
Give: 9:14
